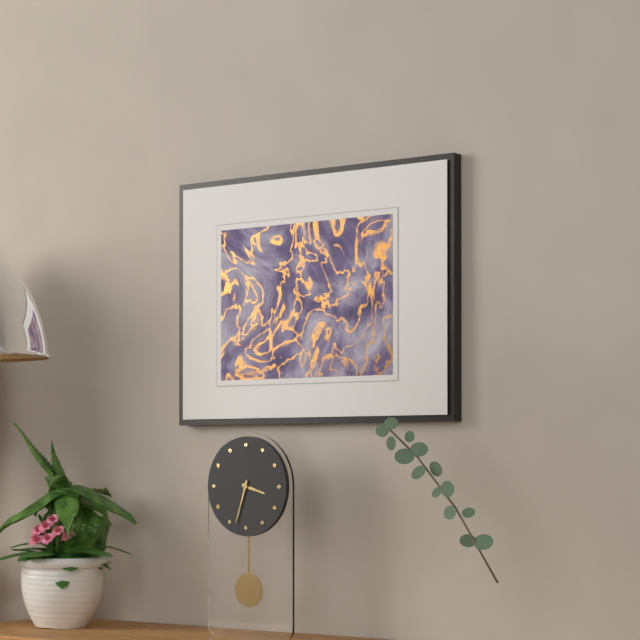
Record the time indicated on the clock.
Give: 3:33
